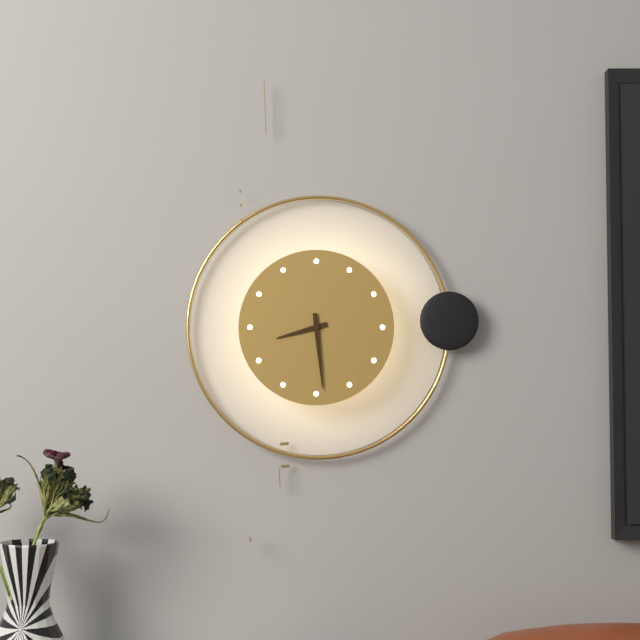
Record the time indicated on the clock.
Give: 8:29
